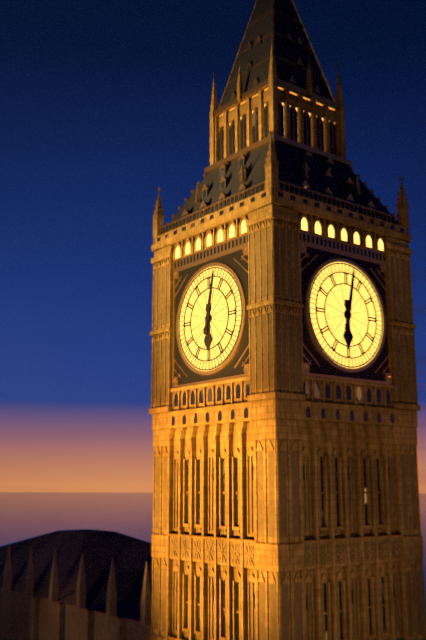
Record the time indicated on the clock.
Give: 6:02
